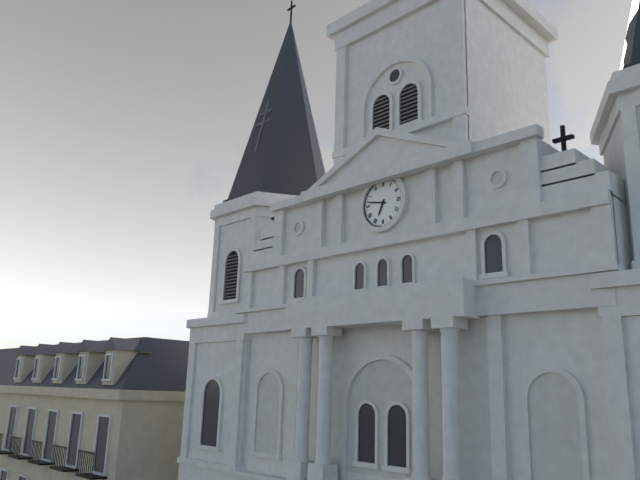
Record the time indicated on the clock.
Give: 6:47
